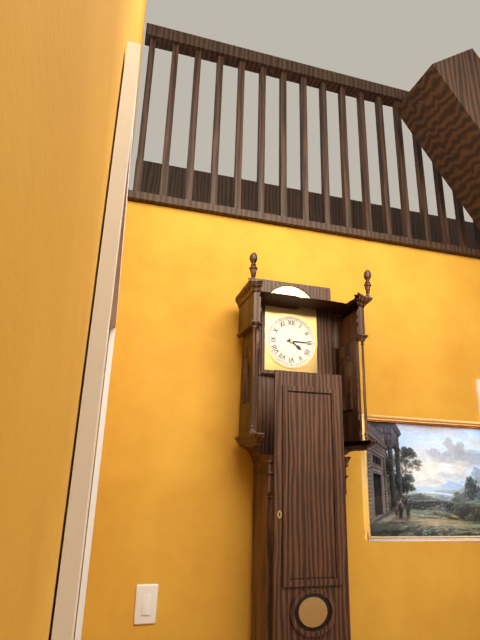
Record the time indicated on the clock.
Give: 4:15
